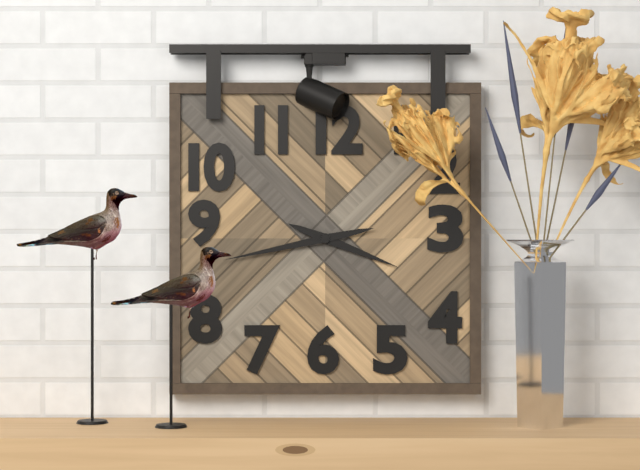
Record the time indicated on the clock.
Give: 3:43
